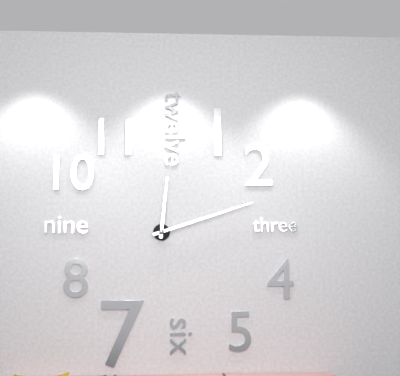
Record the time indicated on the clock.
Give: 12:12
